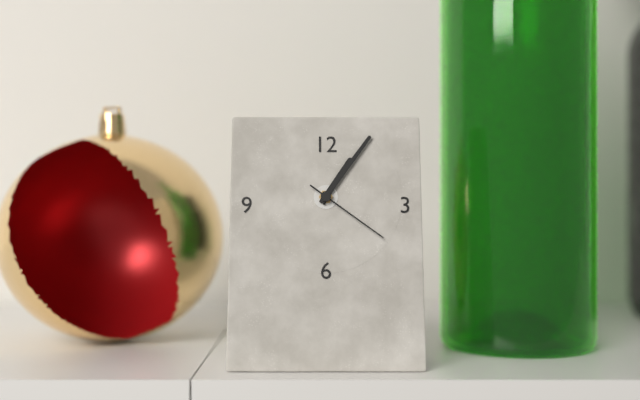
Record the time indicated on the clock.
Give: 1:06:21
